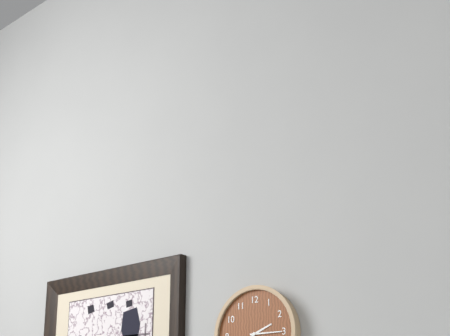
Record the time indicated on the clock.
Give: 2:15
